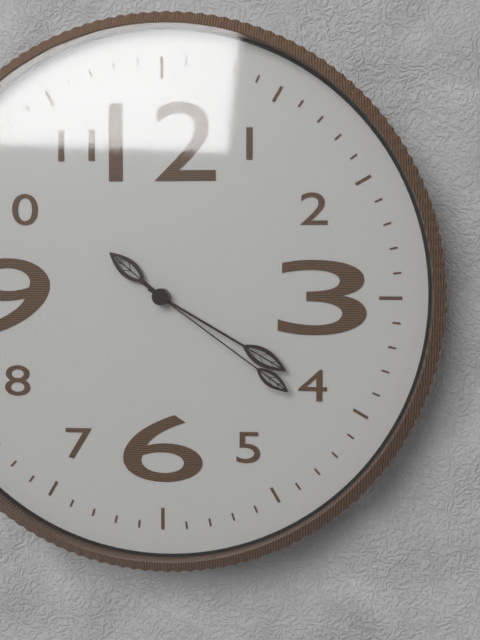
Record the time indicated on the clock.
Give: 10:20:21
